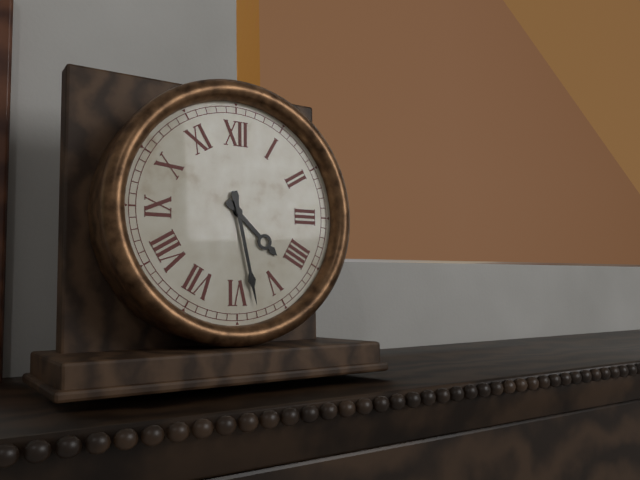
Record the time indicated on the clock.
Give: 4:28
